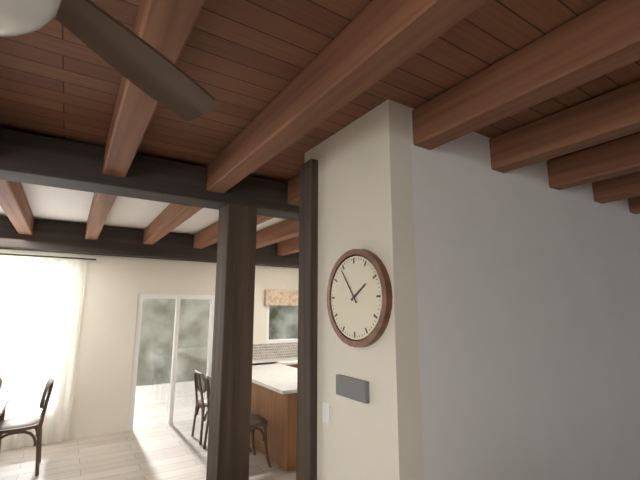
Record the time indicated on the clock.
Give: 1:54
